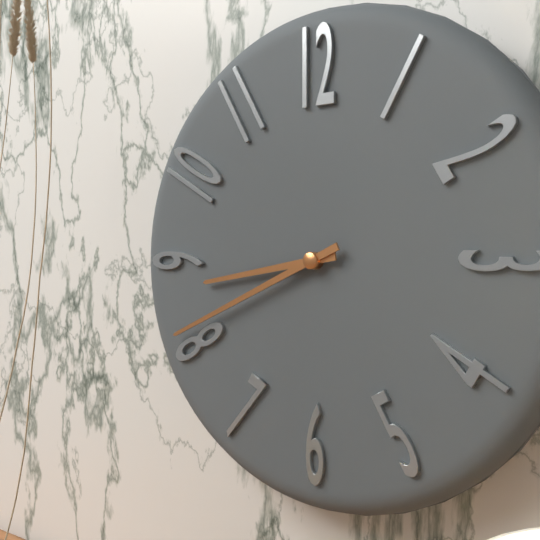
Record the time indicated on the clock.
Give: 8:41
